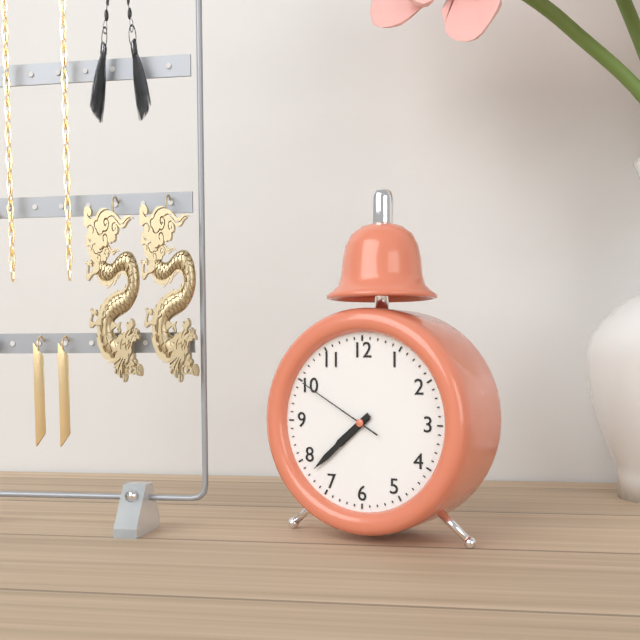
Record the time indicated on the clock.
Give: 7:38:50
